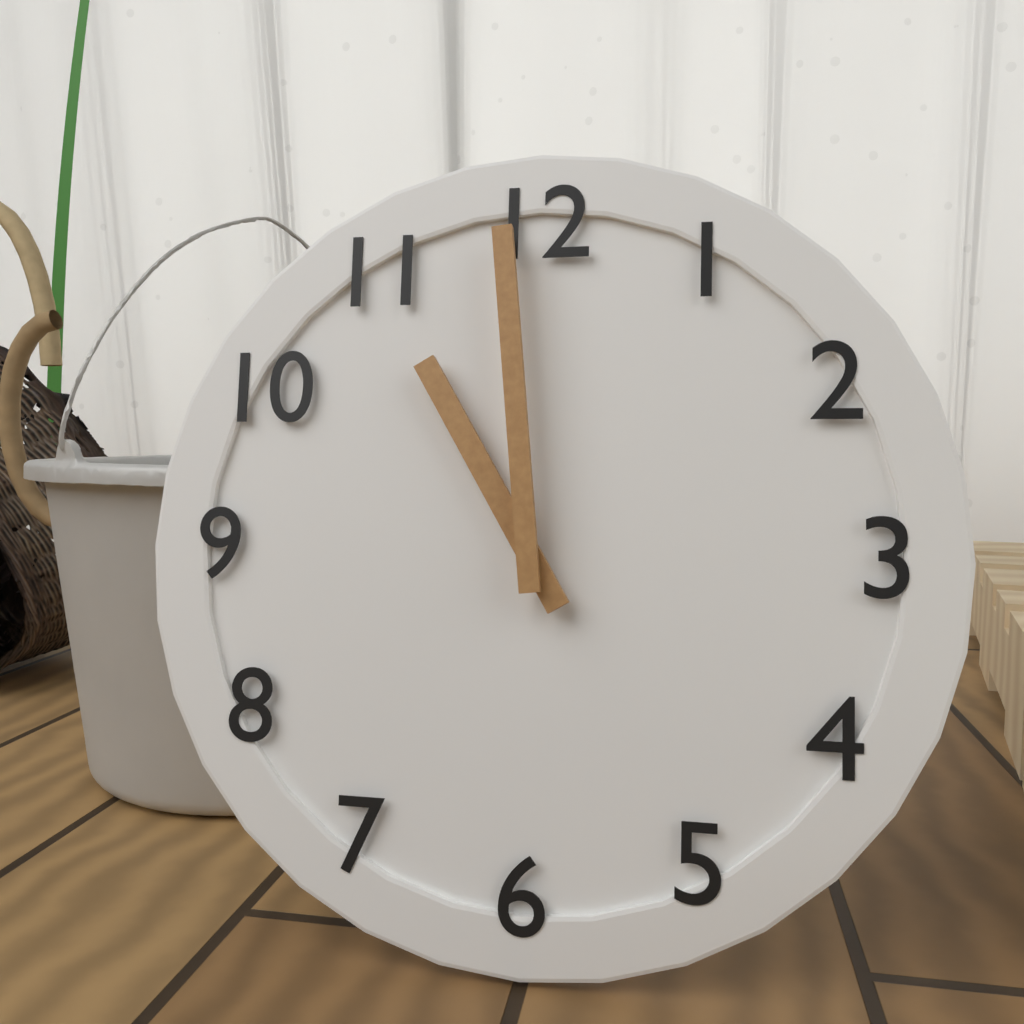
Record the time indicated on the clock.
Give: 10:59
